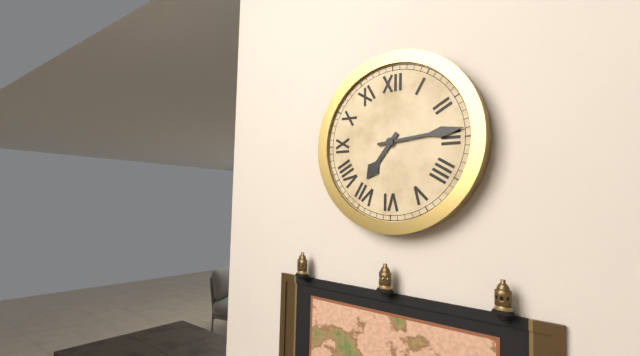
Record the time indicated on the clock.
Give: 7:14
